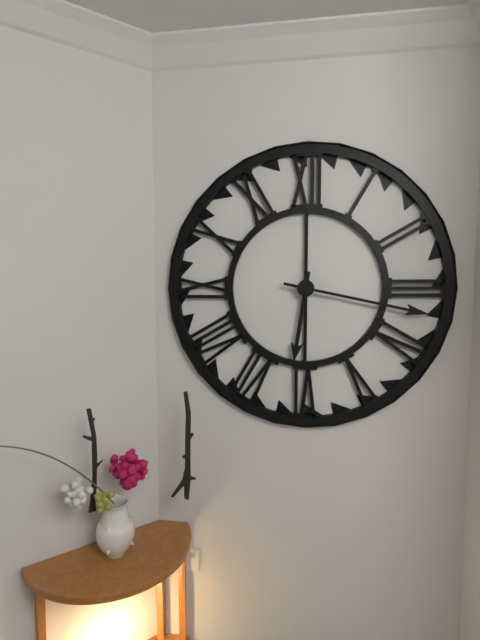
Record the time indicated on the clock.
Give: 6:17
